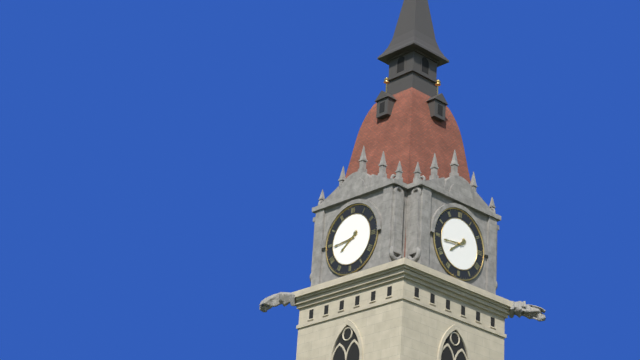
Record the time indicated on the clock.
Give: 7:44
